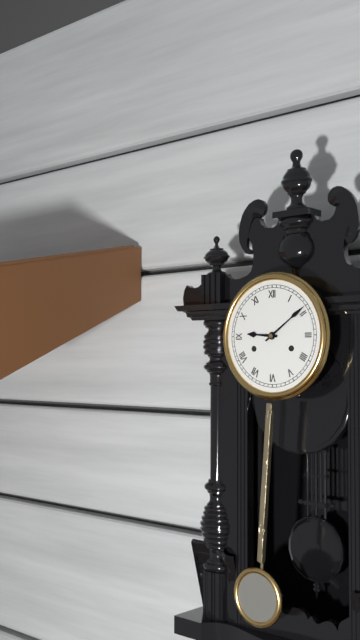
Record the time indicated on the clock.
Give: 9:09
